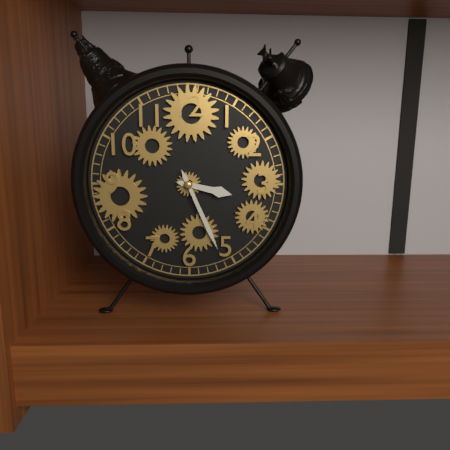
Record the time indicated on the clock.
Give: 3:26
